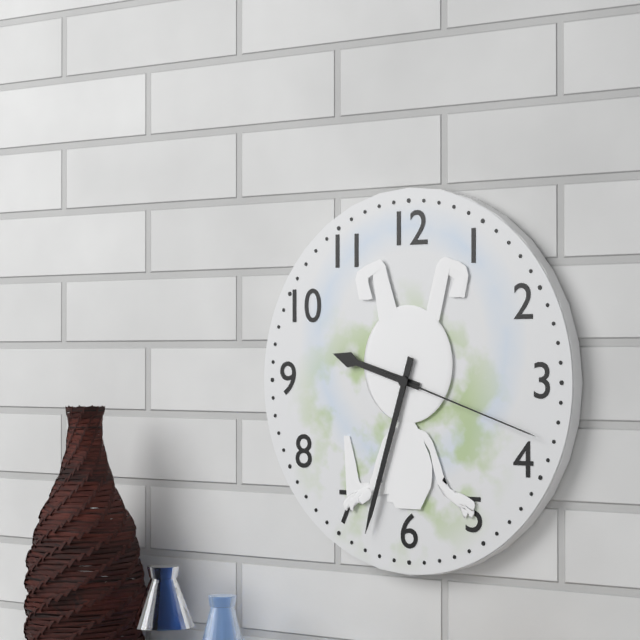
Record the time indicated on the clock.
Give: 9:33:18
